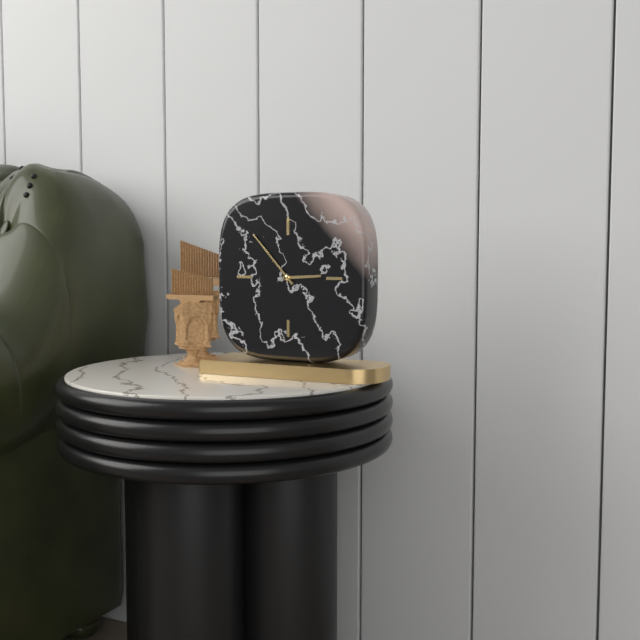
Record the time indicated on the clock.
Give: 2:53
